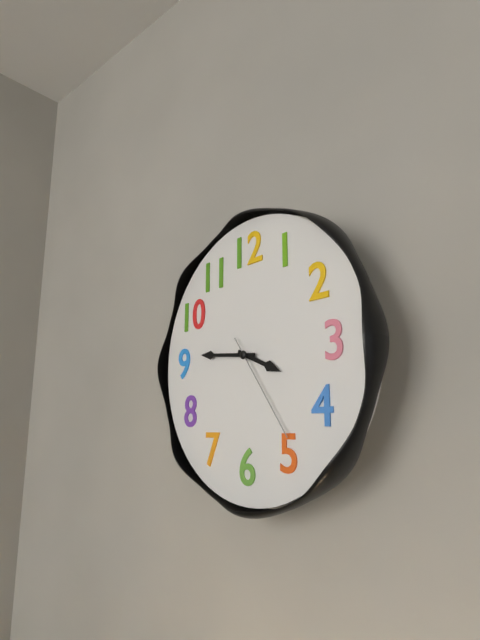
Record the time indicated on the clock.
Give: 3:46:24
